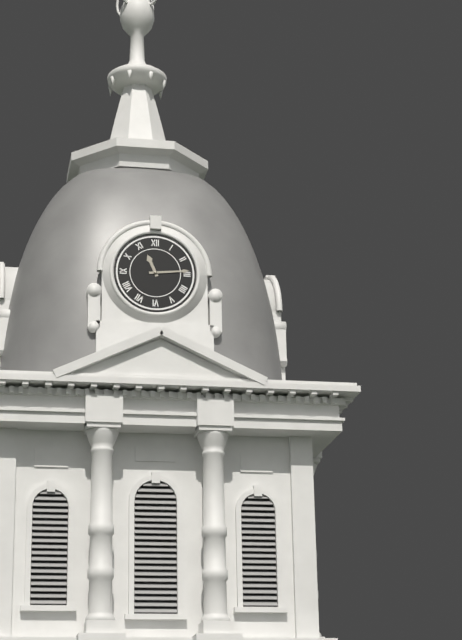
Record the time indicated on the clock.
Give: 11:14
